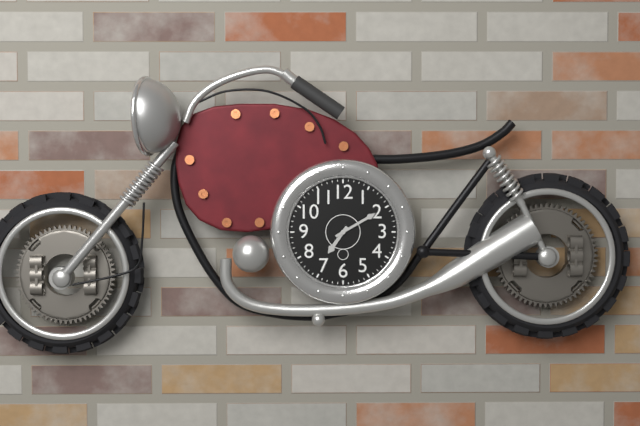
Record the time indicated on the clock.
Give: 7:10
